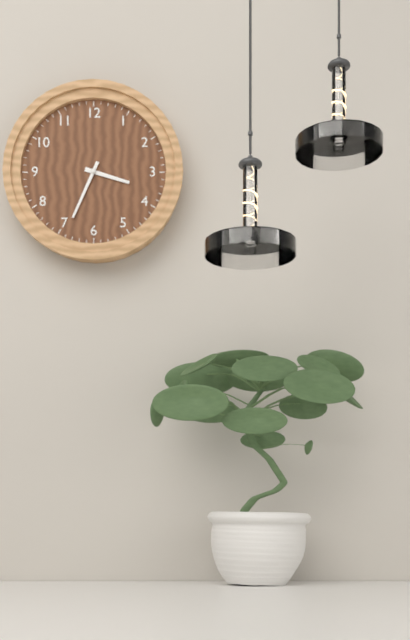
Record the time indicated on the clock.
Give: 3:34
